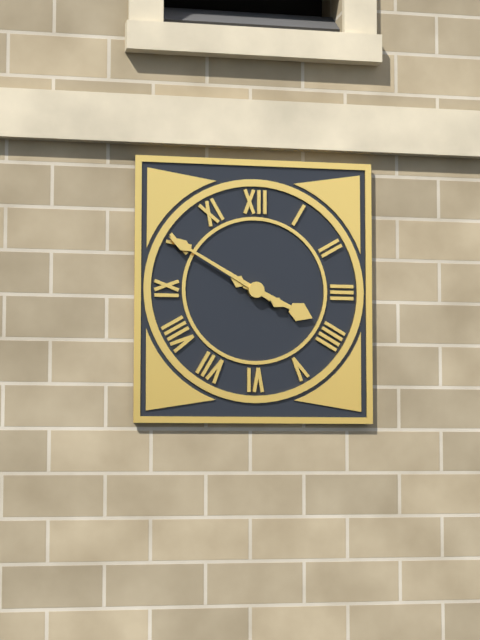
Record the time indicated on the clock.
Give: 3:50
